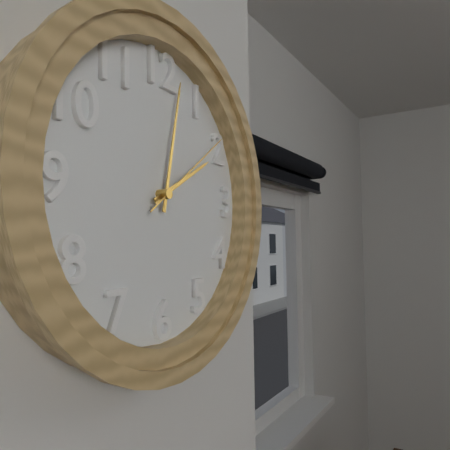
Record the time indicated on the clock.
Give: 2:02:09
